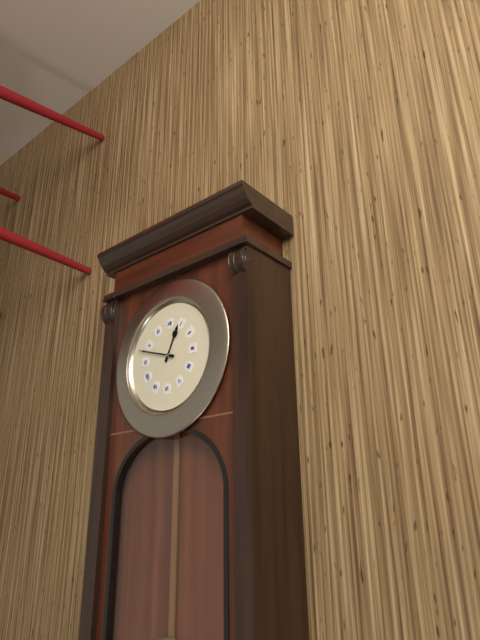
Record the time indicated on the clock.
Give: 12:48
